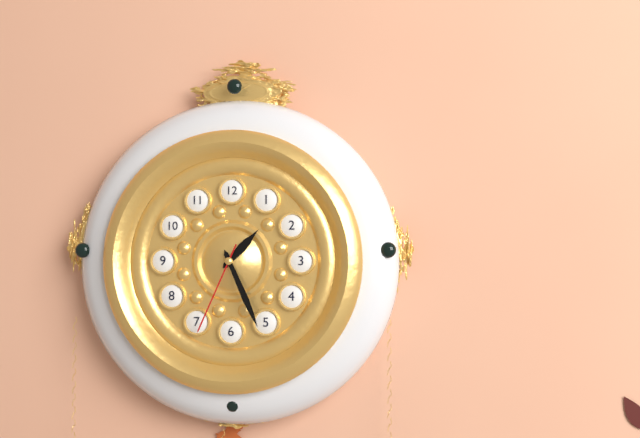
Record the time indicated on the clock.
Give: 1:26:34
